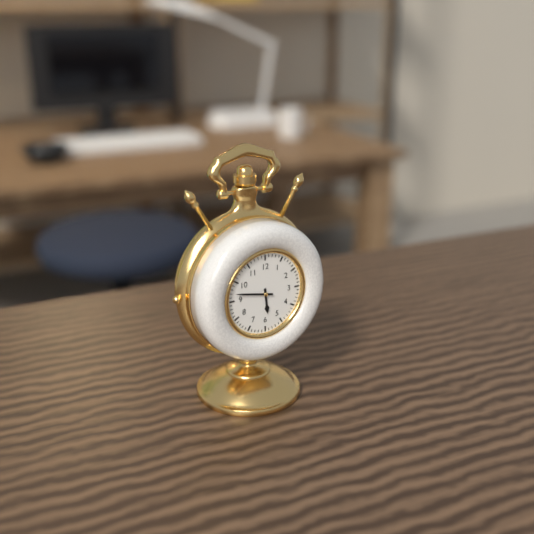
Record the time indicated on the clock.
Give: 5:47
